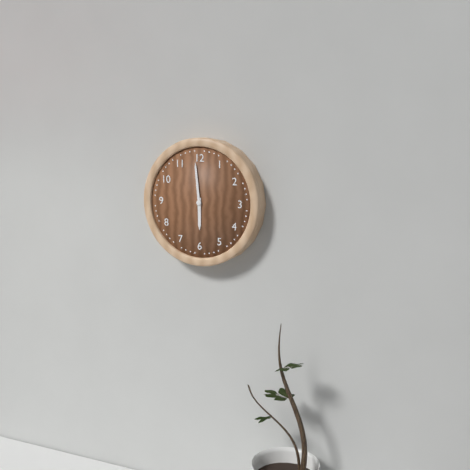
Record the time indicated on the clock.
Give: 5:59
